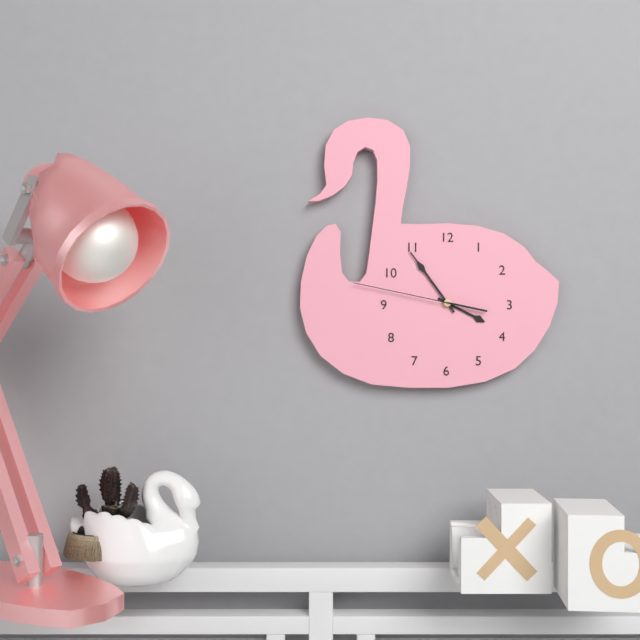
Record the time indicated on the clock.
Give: 3:54:47
